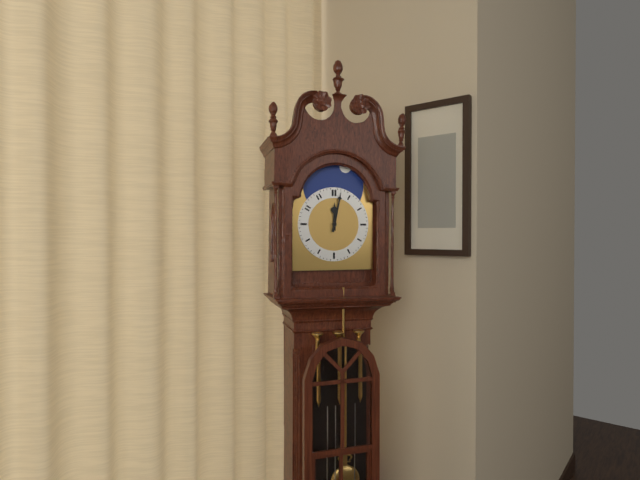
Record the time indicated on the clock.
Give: 12:02
